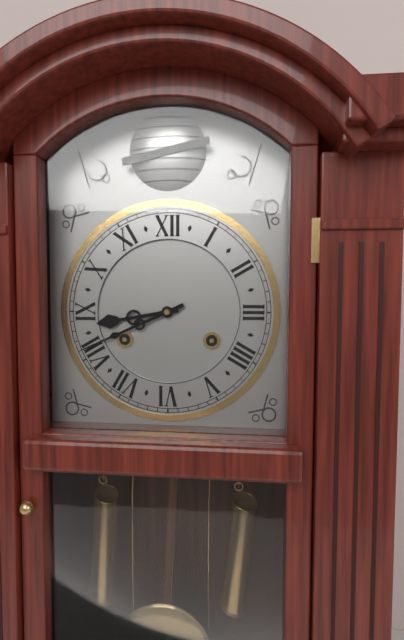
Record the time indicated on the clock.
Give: 8:41
